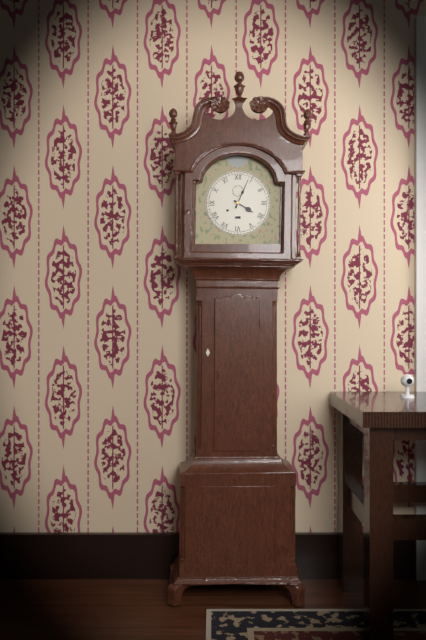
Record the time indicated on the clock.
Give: 4:04
